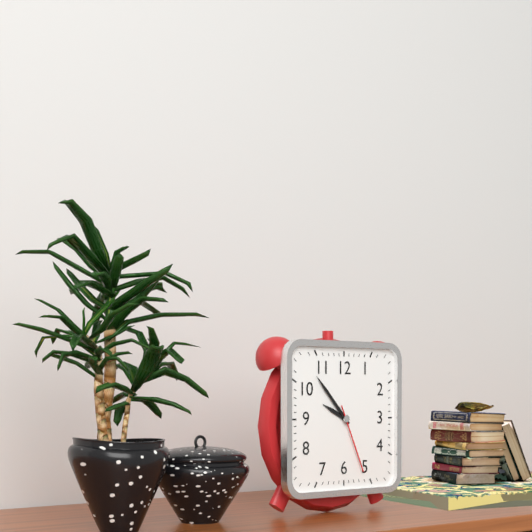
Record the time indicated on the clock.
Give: 9:53:26
